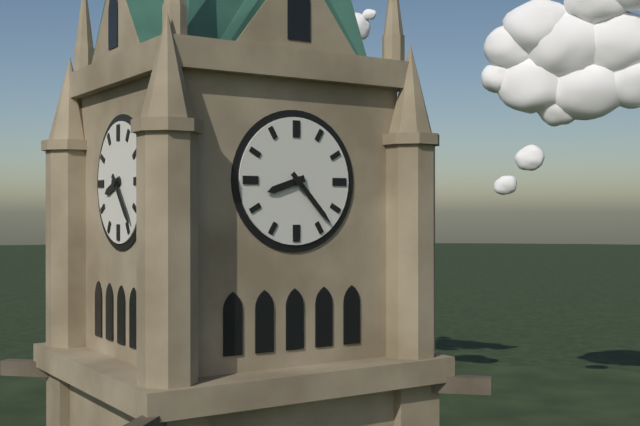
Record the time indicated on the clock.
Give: 8:23
